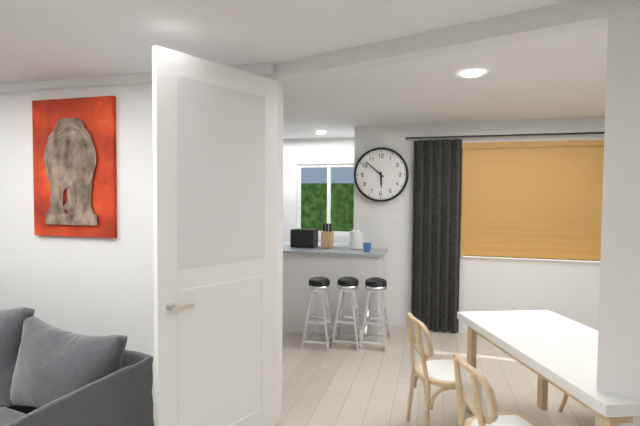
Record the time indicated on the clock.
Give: 5:52
